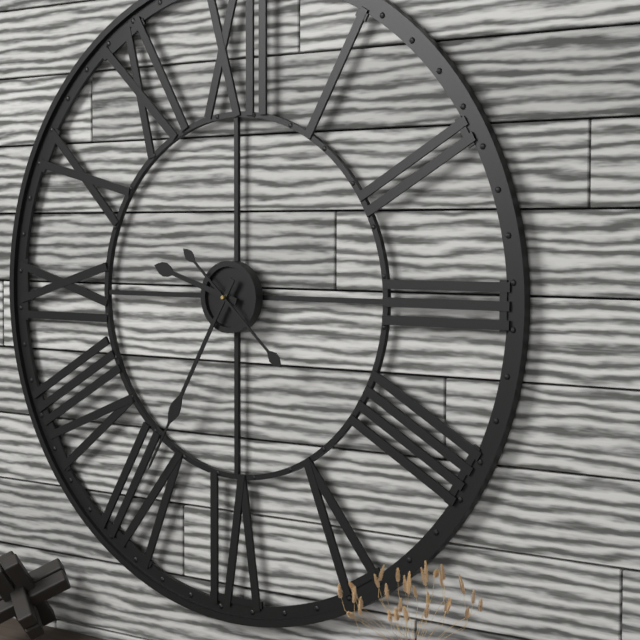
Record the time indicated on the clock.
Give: 9:35:22
